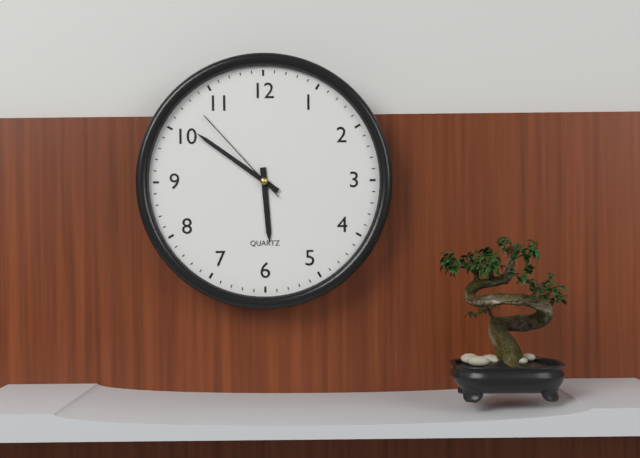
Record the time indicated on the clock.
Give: 5:51:53
